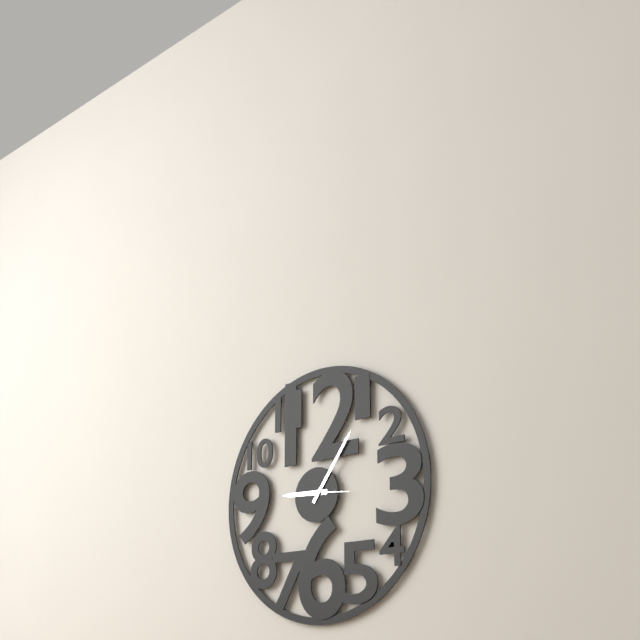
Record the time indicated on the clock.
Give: 9:06
